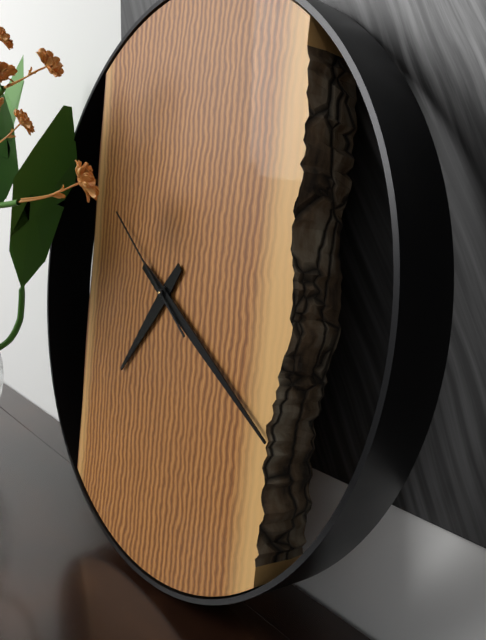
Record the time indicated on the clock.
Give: 7:20:51
